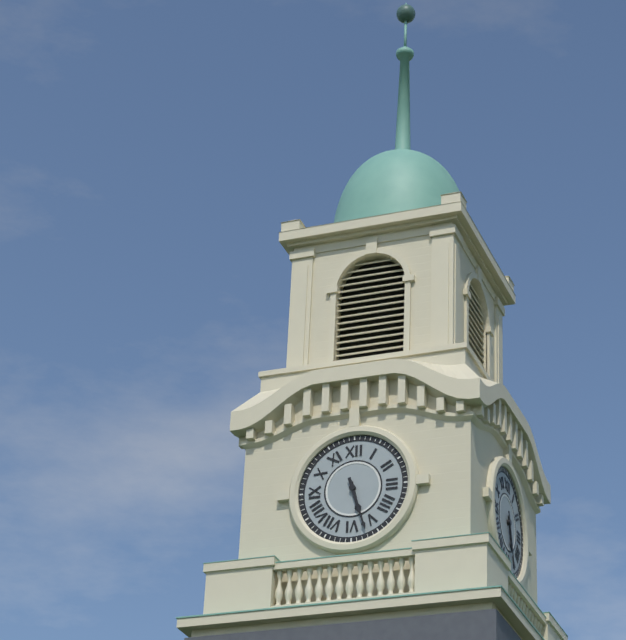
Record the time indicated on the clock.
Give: 5:27
